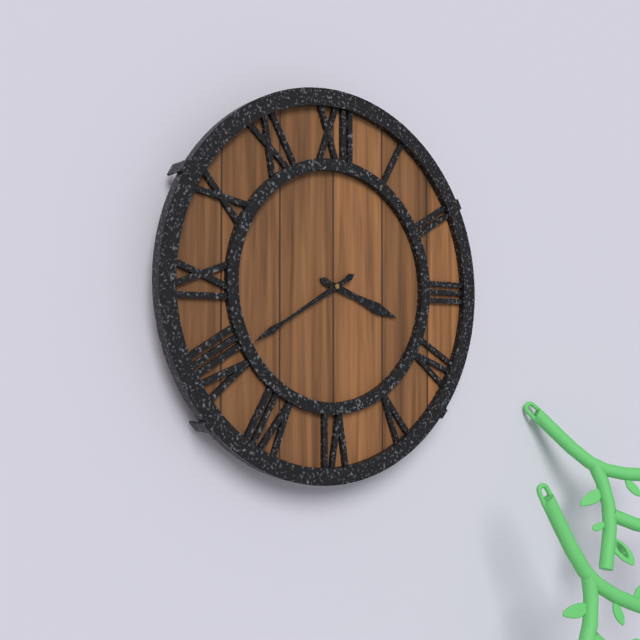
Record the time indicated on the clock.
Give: 3:40
